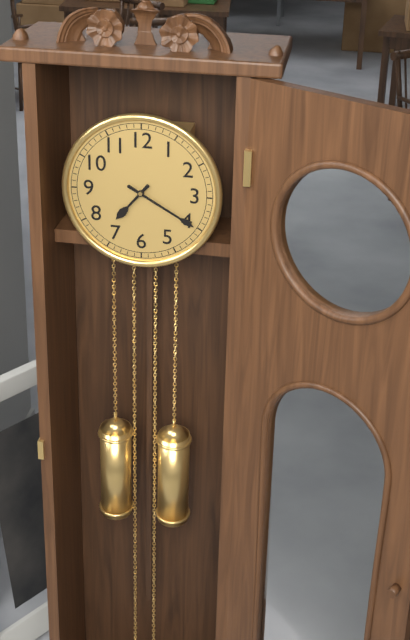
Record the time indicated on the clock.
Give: 7:20
